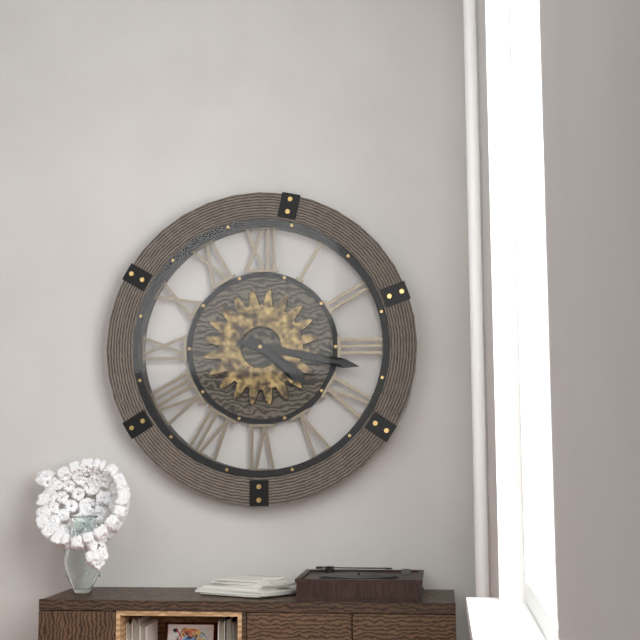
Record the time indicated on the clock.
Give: 4:17
